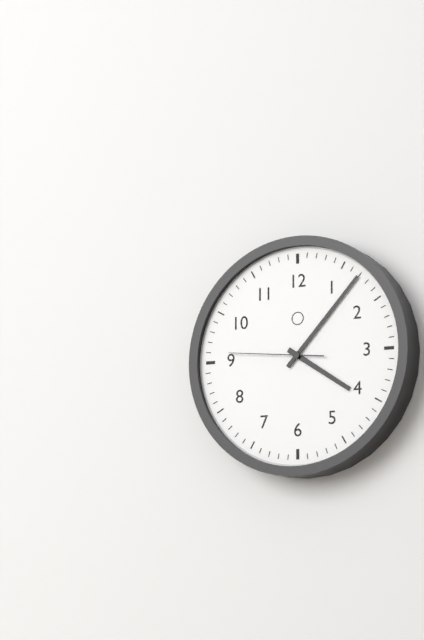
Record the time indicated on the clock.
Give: 4:07:46
